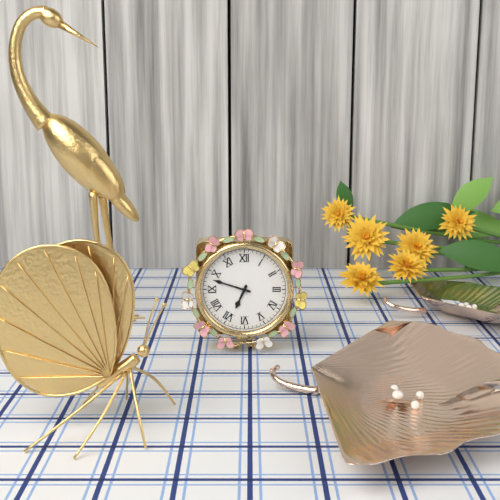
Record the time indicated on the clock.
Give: 6:48
